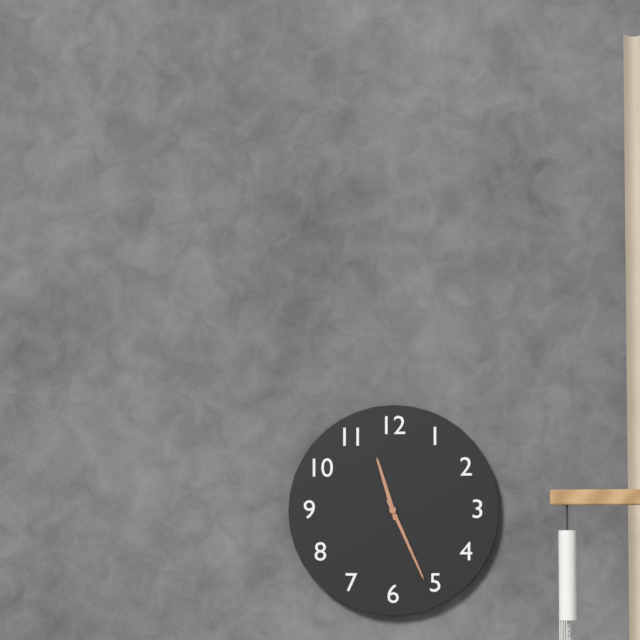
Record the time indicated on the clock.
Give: 11:26
